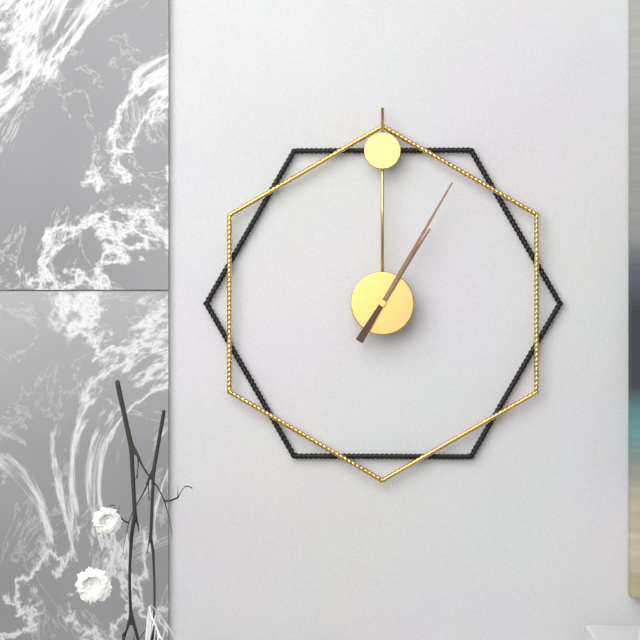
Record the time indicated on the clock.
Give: 1:05
